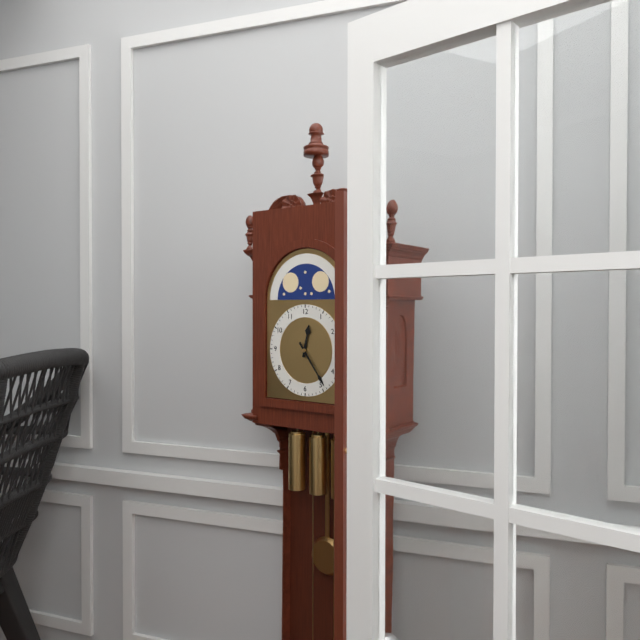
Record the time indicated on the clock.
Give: 12:24
